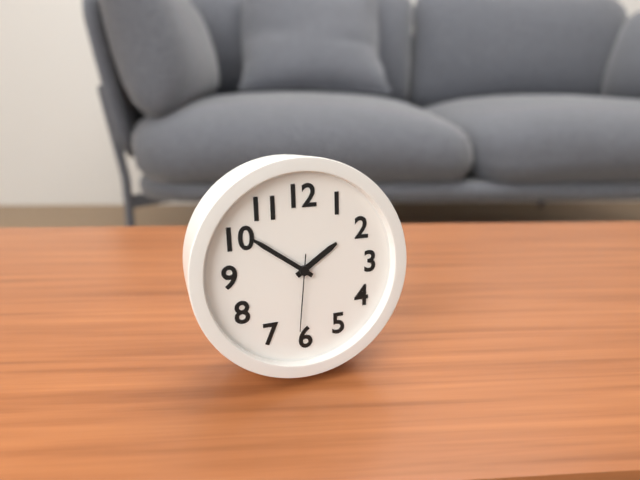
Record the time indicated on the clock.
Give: 1:51:31
